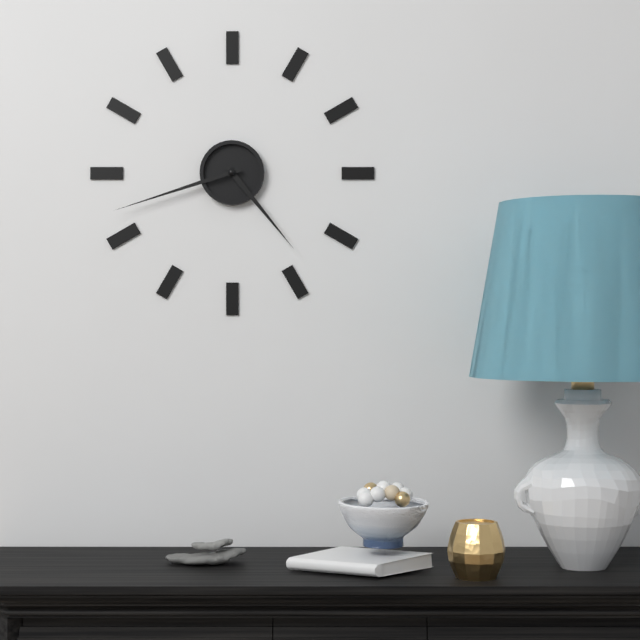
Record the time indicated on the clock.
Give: 4:42
